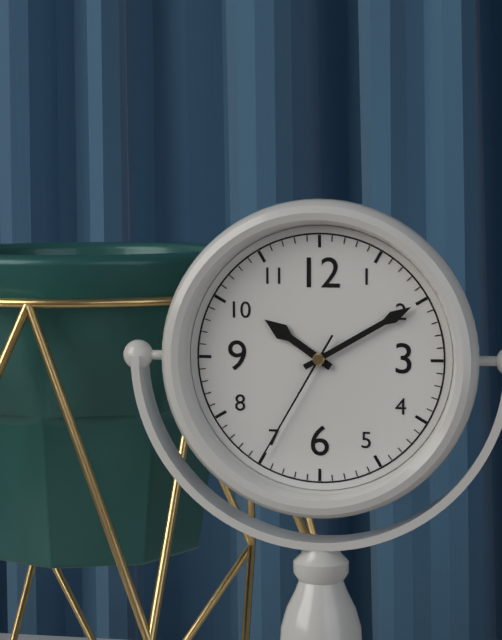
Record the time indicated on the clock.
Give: 10:10:35
